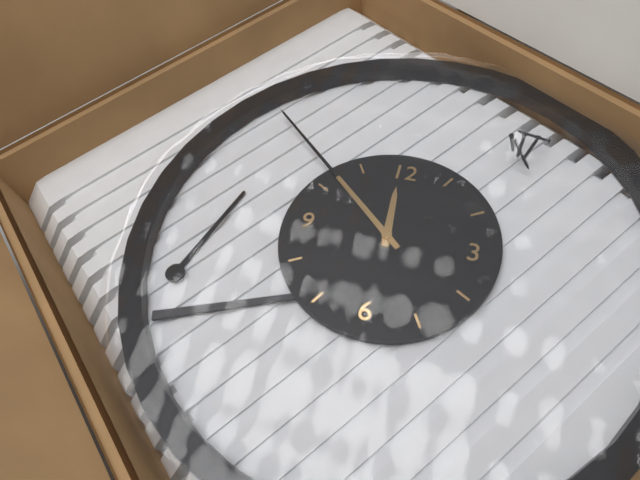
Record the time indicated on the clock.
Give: 11:52
